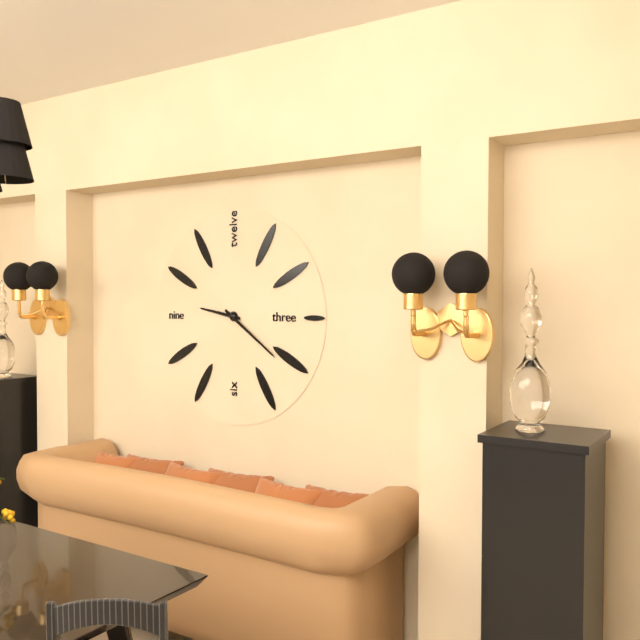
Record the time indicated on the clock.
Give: 9:21
